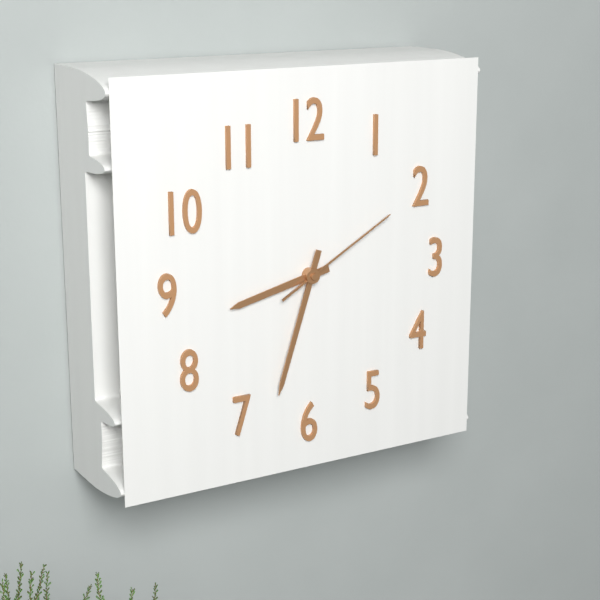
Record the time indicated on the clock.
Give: 8:33:10
